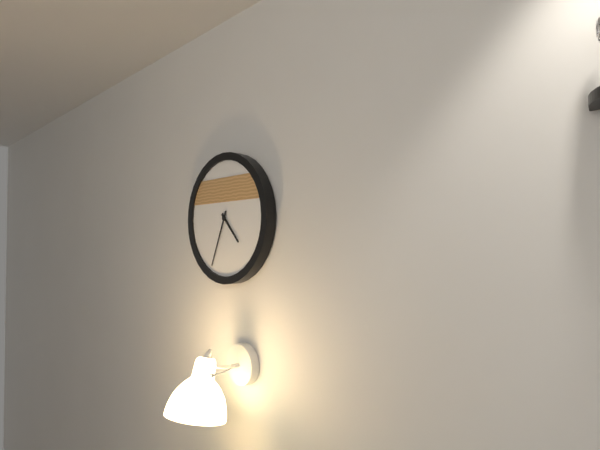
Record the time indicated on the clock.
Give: 4:34
